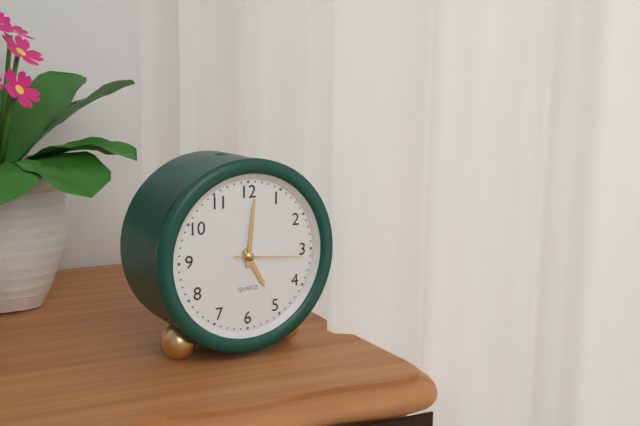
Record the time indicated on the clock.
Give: 5:01:16
